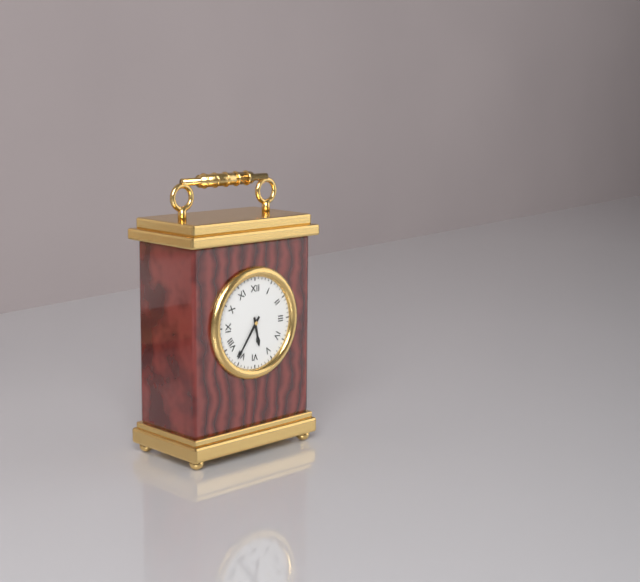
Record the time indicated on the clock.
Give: 5:36
